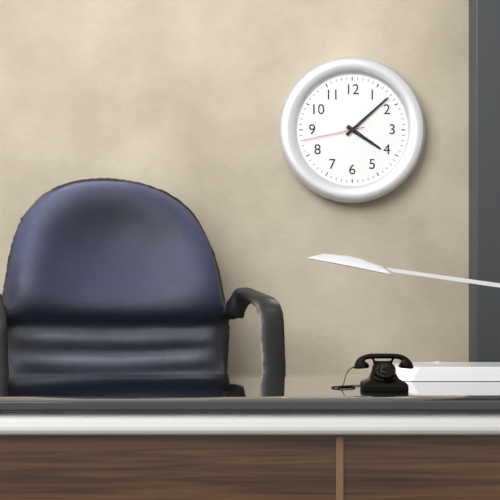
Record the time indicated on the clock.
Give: 4:08:43
